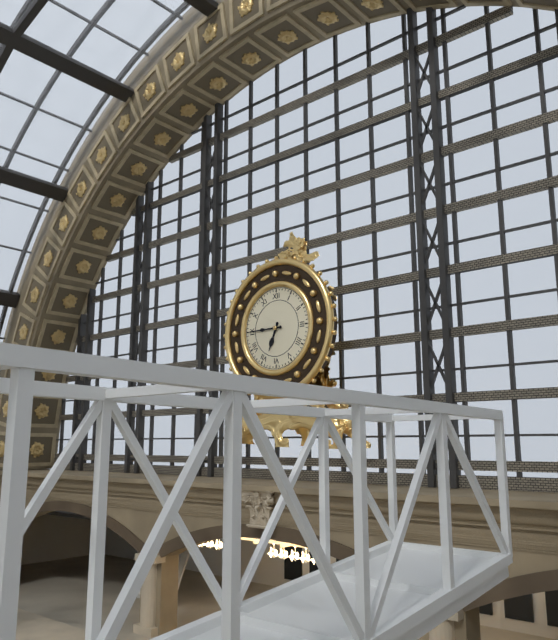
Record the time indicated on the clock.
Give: 6:45
